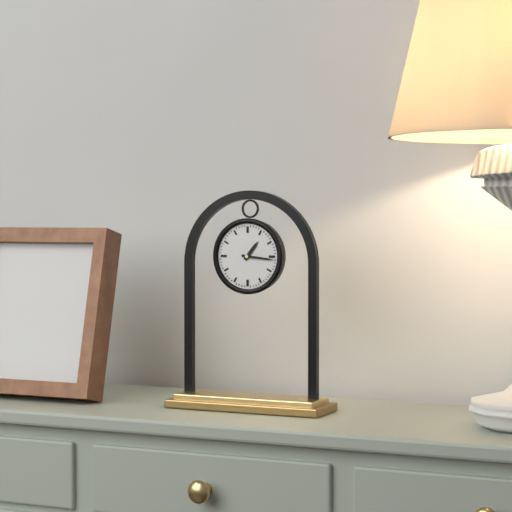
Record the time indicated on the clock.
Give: 1:16
